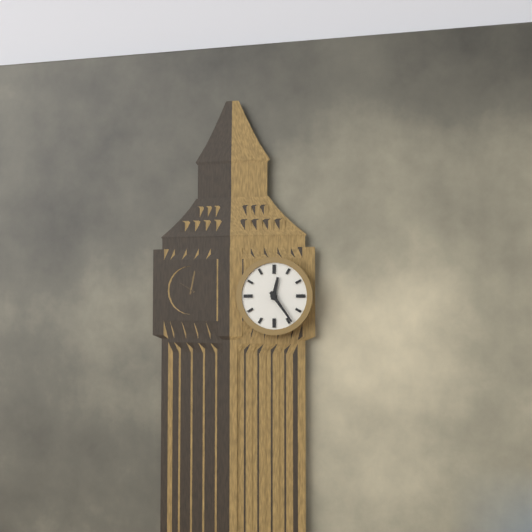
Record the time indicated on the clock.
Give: 12:24
